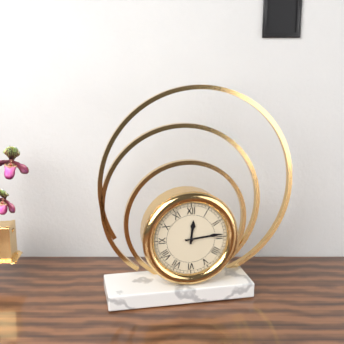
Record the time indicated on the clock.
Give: 12:14
